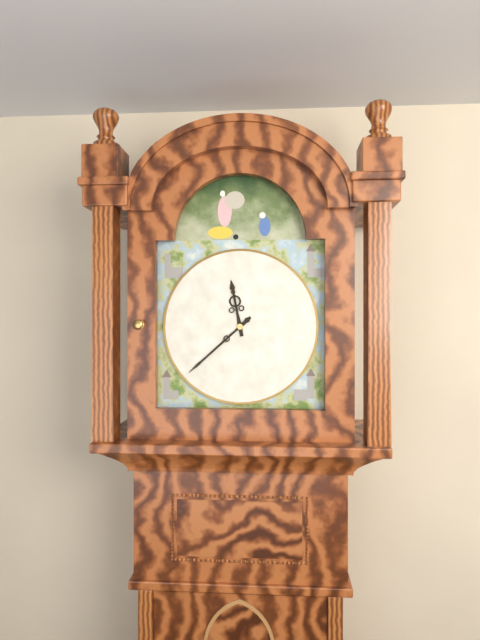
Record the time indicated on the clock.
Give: 11:38
